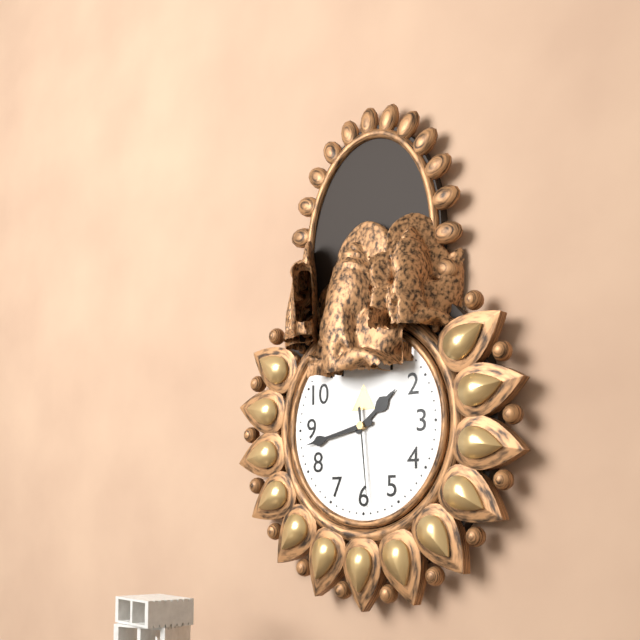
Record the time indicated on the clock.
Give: 1:43:29
